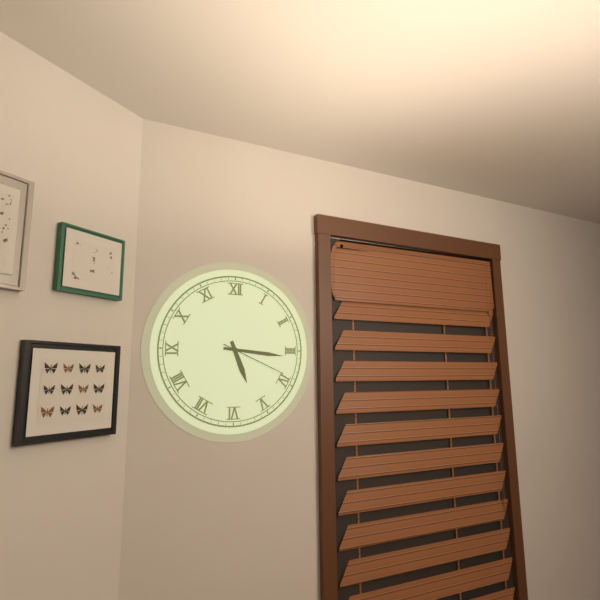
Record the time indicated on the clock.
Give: 5:16:19
